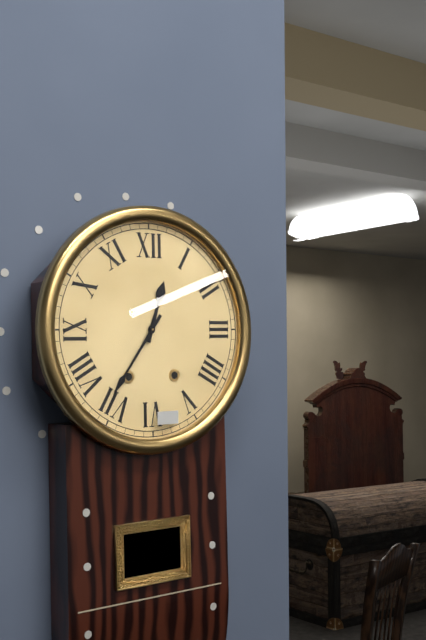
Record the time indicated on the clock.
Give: 12:36
